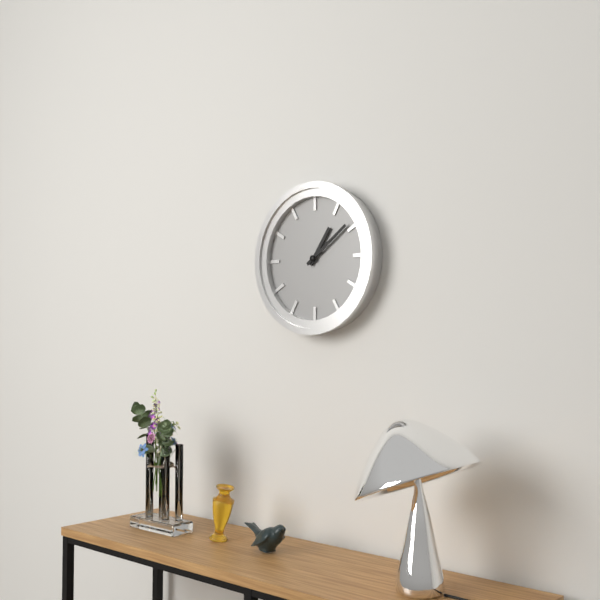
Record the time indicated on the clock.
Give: 1:09
